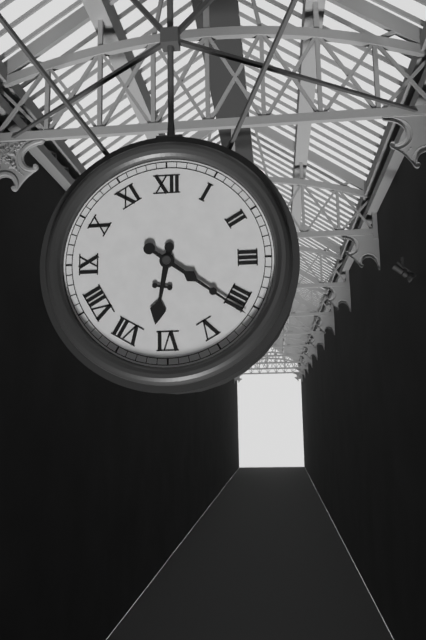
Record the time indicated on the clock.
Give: 6:21
